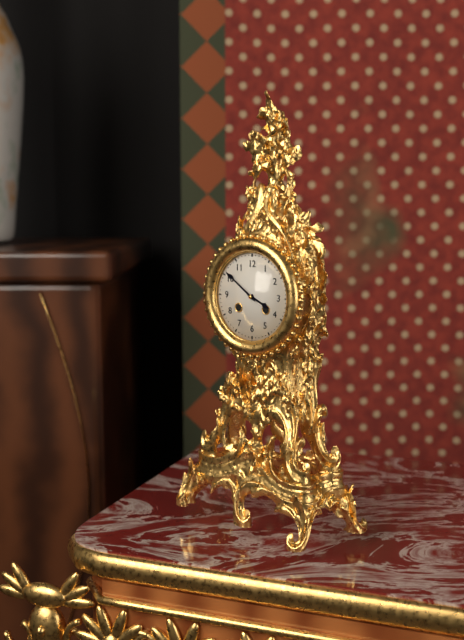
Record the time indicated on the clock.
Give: 3:51
